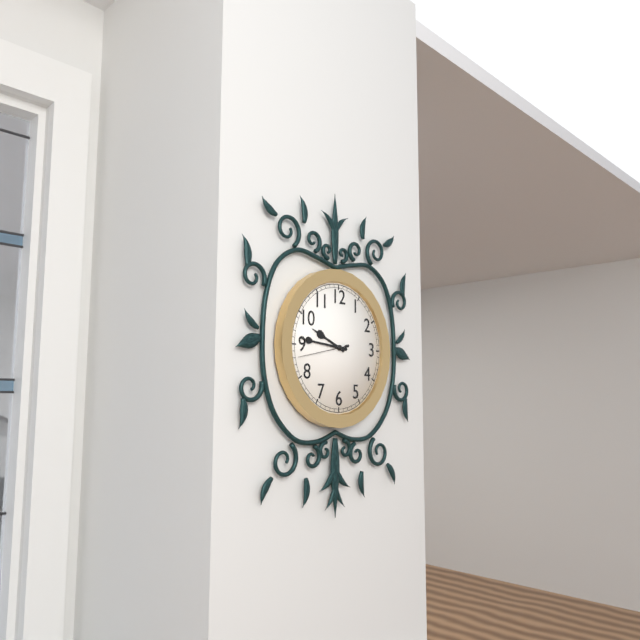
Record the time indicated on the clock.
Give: 9:46:43
